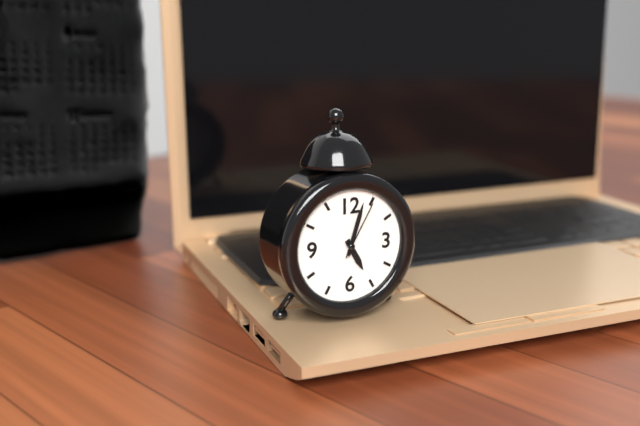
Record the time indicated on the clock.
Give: 5:03:05
